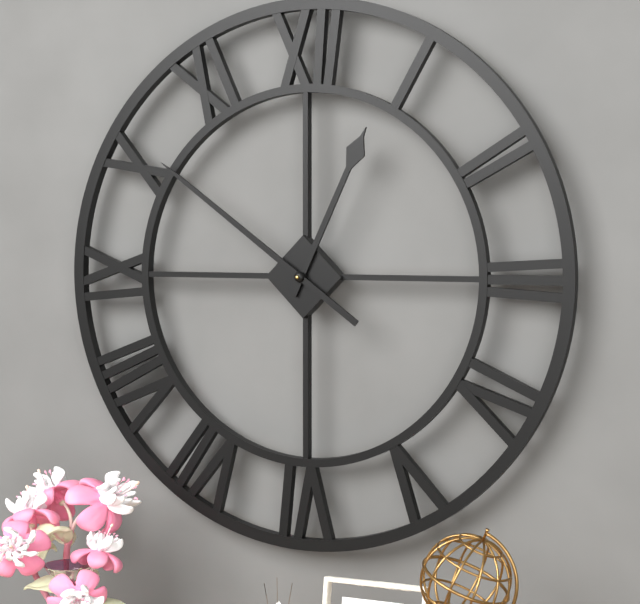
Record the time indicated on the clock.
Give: 12:51
